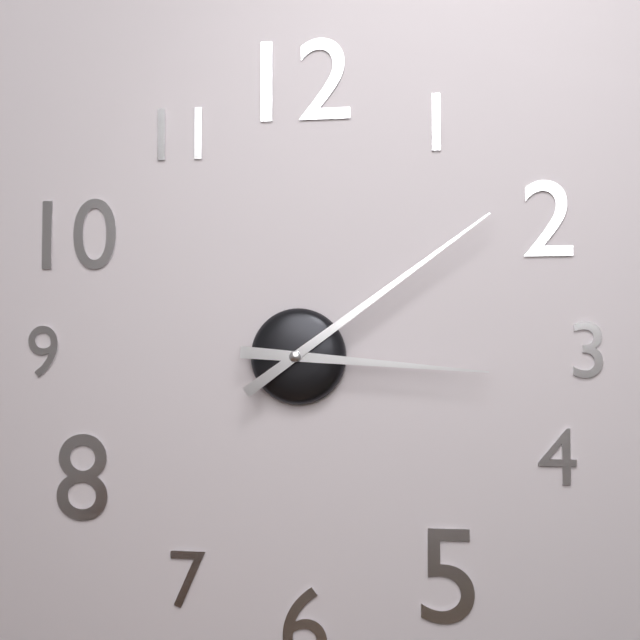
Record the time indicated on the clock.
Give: 3:09
